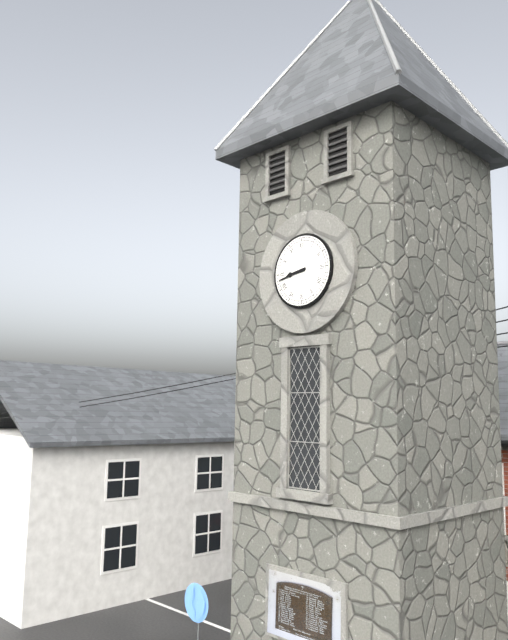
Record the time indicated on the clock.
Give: 8:43
